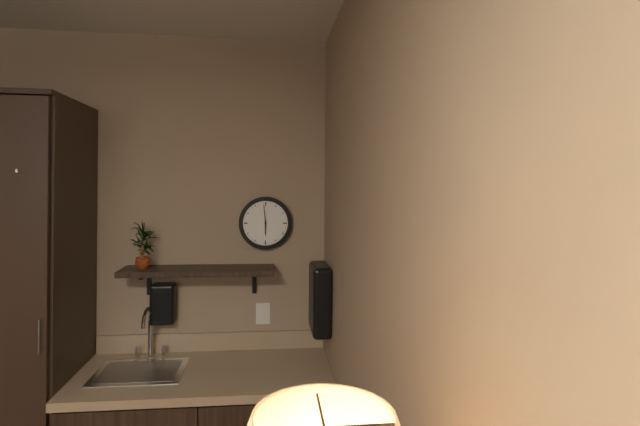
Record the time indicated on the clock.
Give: 5:59
